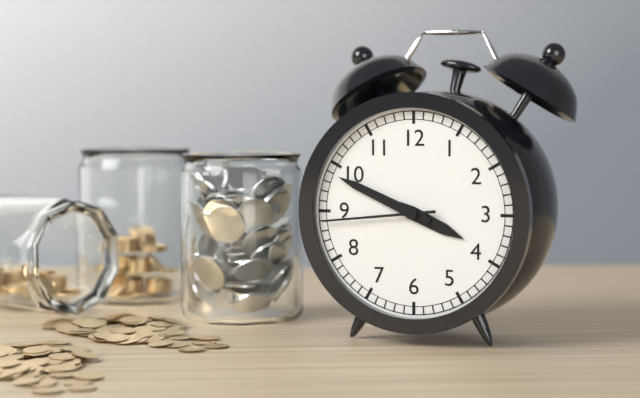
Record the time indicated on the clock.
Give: 3:49:44
